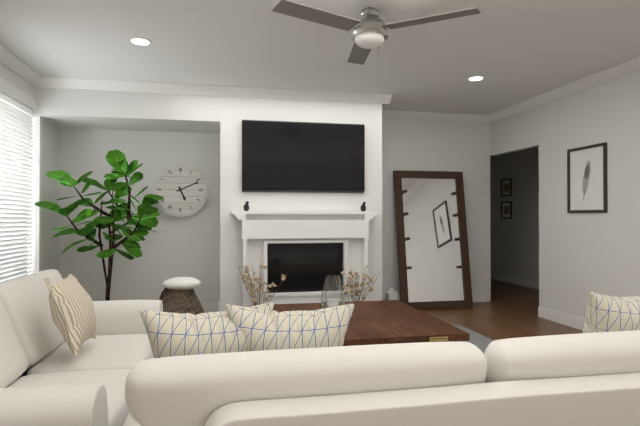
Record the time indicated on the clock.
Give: 5:11
